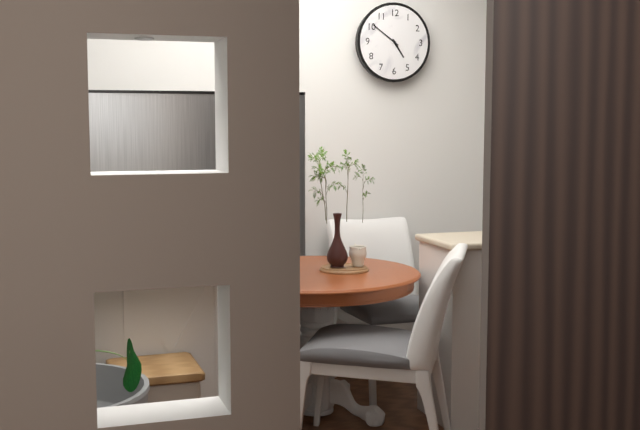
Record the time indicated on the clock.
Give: 4:51
